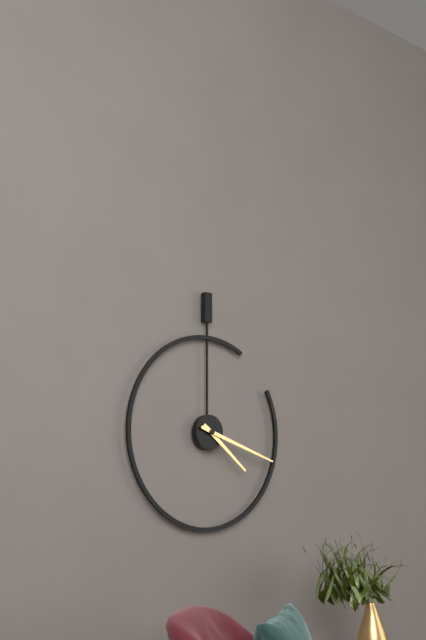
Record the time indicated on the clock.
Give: 4:18
